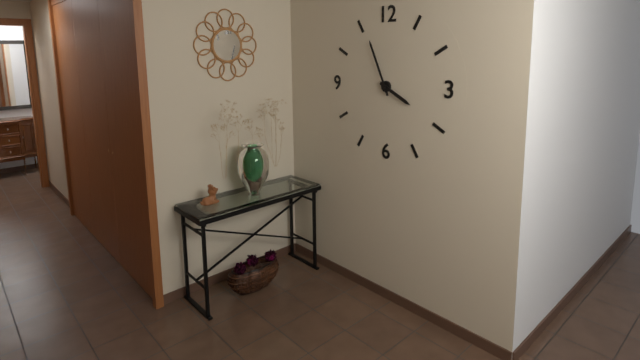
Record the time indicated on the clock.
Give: 3:56
